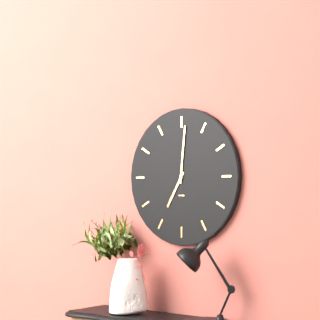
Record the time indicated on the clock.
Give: 7:01
